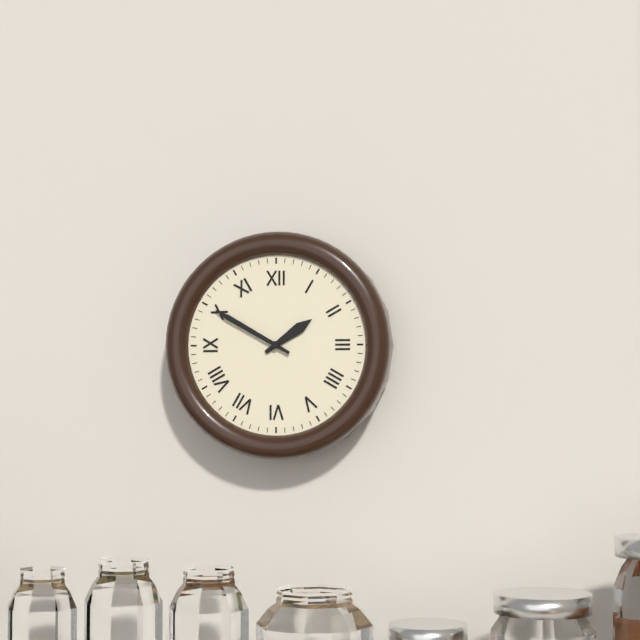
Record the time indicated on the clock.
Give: 1:50
